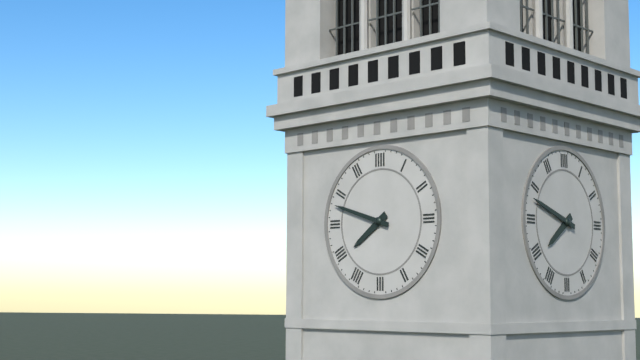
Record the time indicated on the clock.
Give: 7:48
